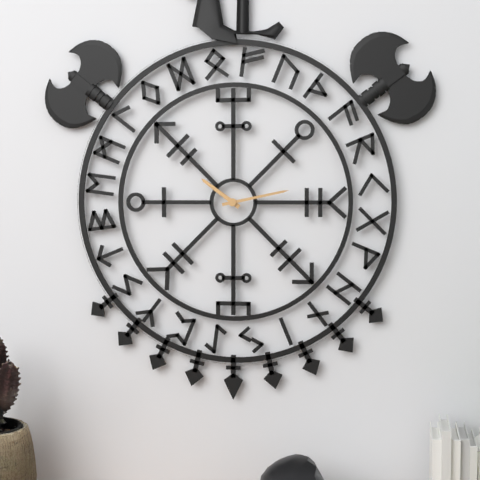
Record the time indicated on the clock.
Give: 10:13
